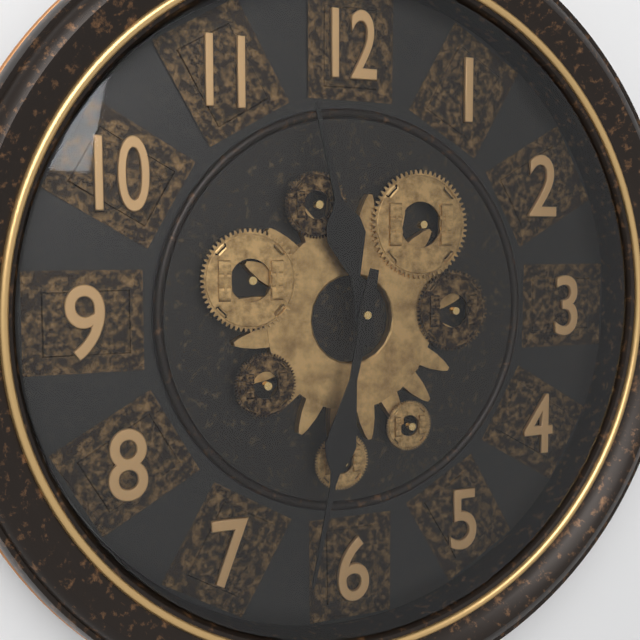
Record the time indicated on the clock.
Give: 11:32
